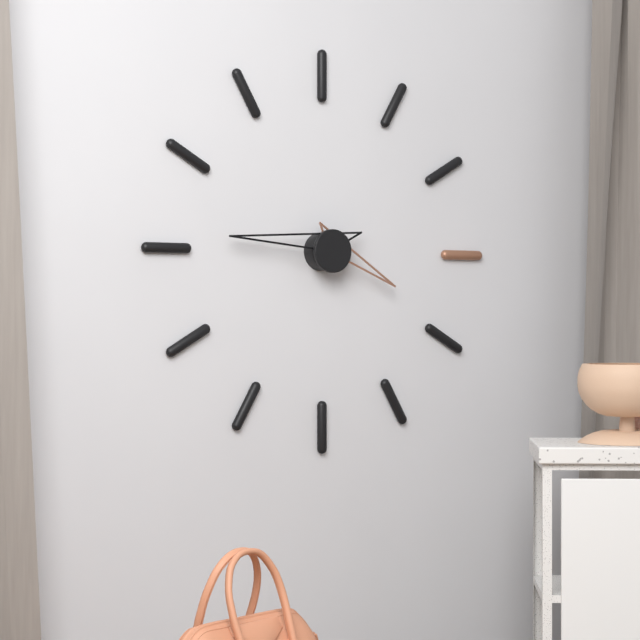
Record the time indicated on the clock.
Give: 3:46
